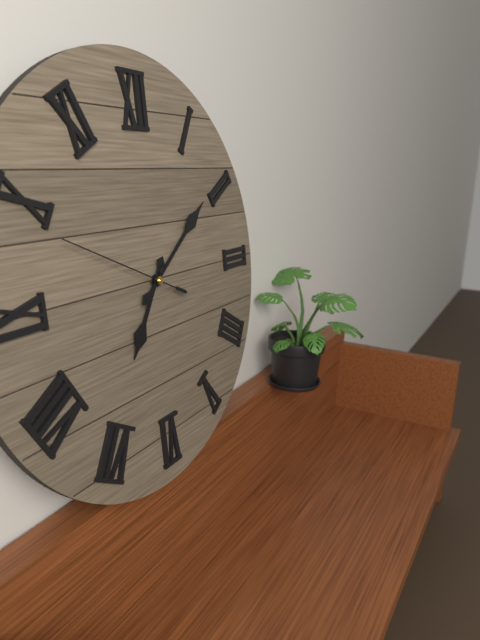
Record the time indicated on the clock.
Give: 7:09:49
